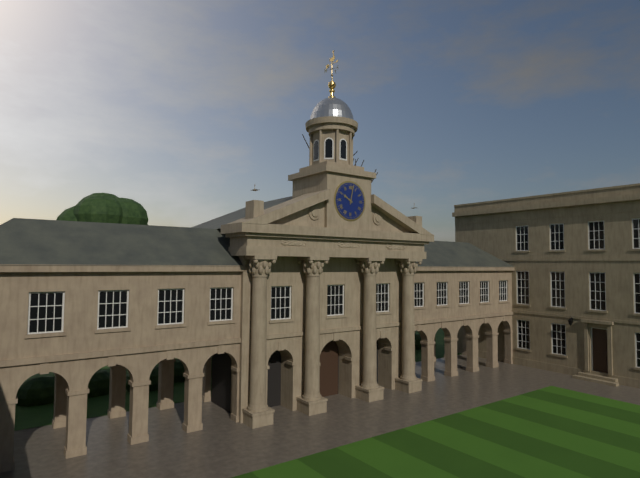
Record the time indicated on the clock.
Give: 10:02
